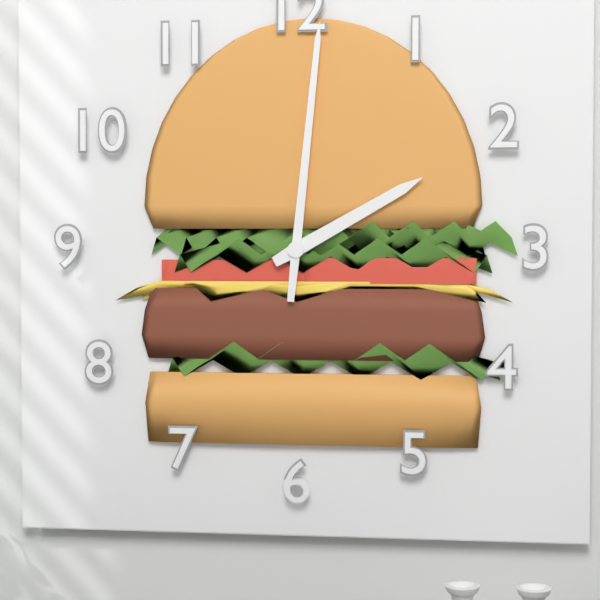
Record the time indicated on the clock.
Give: 2:01
